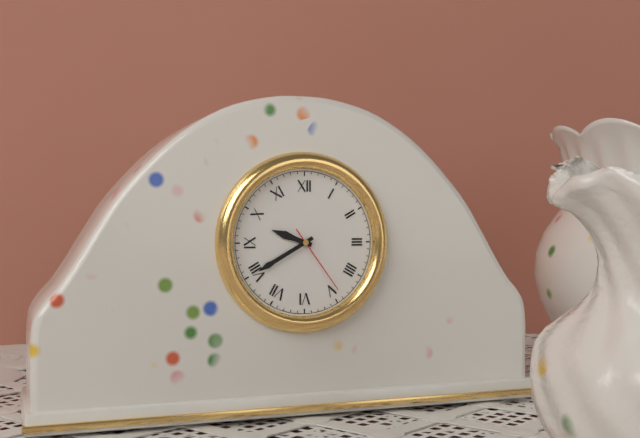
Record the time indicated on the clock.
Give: 9:40:24
